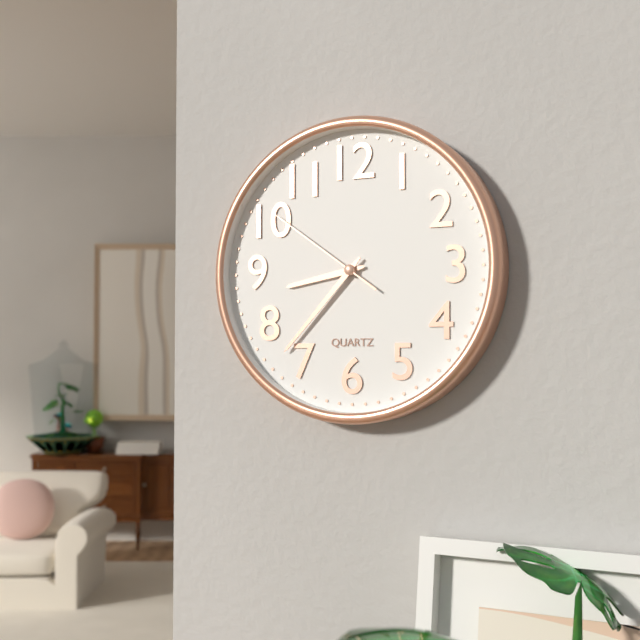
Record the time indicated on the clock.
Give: 8:37:51
